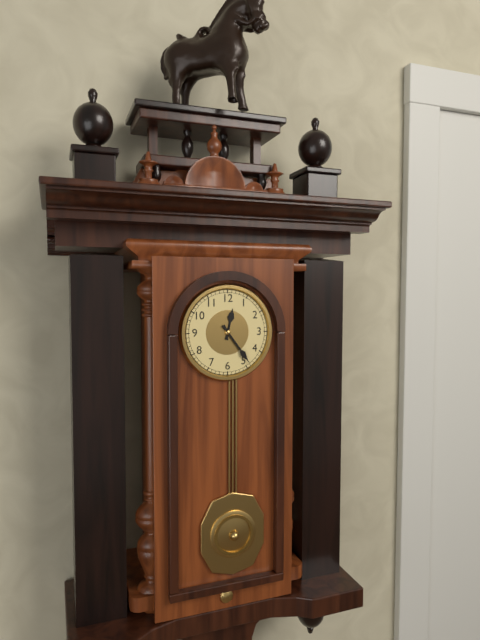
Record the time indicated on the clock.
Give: 12:24
